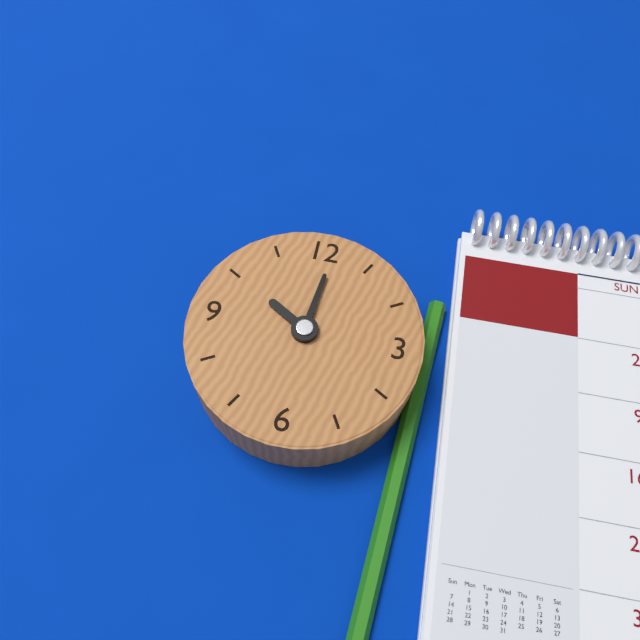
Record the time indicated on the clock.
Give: 10:01
